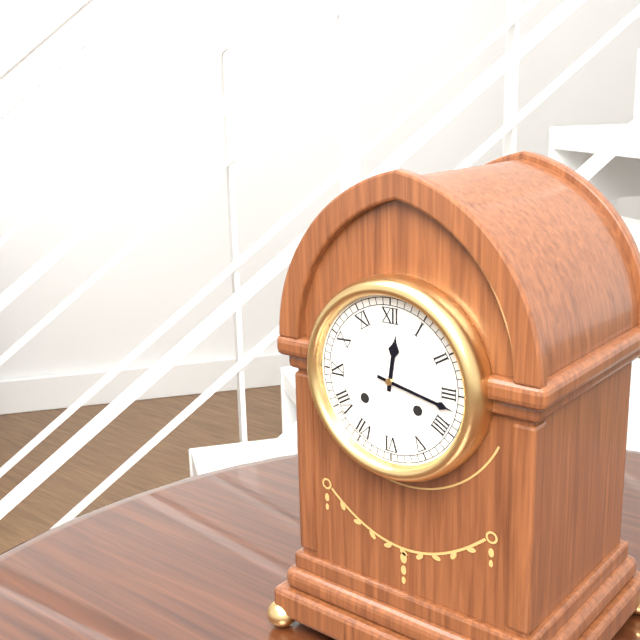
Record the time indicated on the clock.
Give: 12:17
